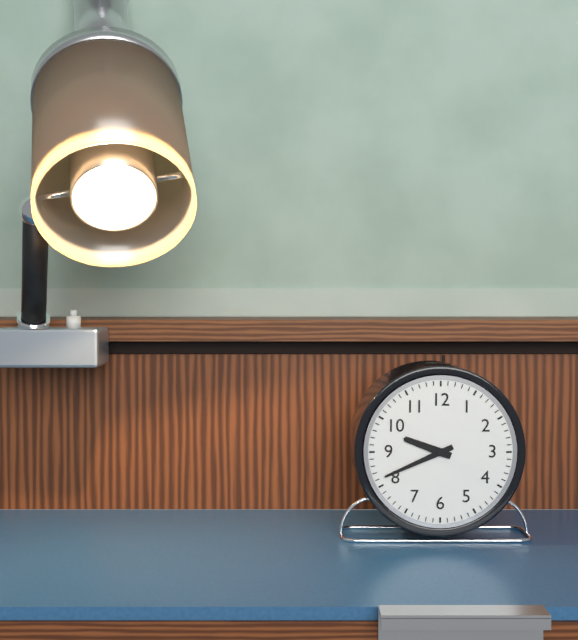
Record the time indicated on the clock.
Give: 9:41
